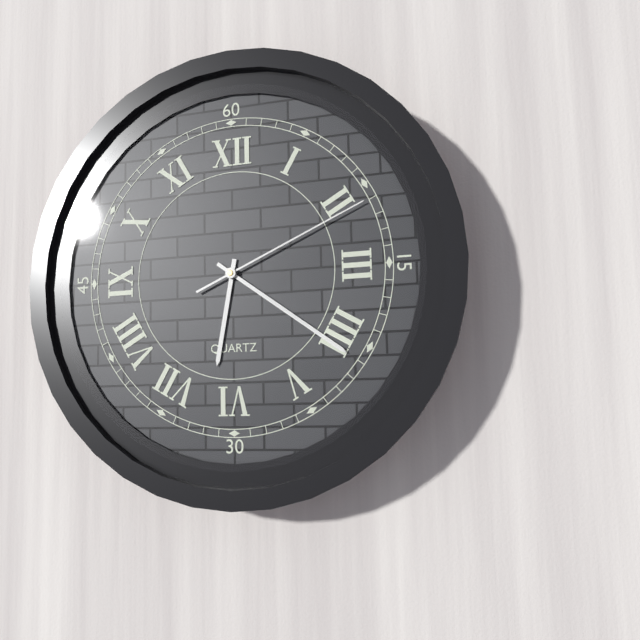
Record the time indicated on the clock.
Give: 6:21:11
